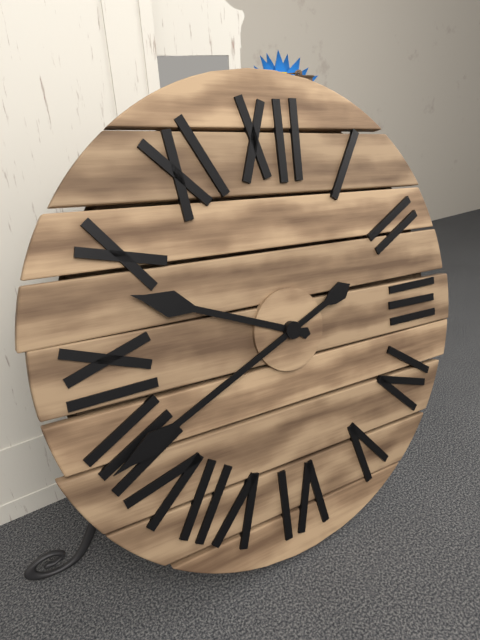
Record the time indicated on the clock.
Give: 9:41
